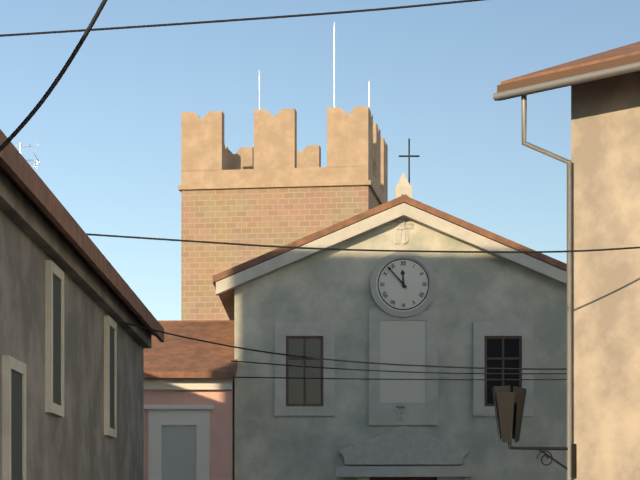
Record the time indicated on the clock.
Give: 11:53
